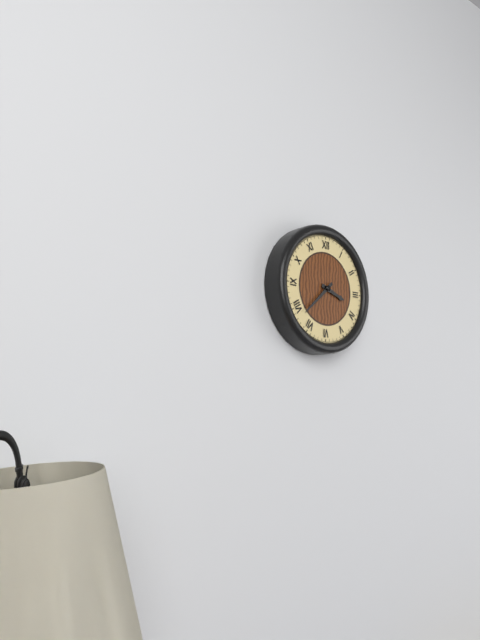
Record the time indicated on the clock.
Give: 3:38
